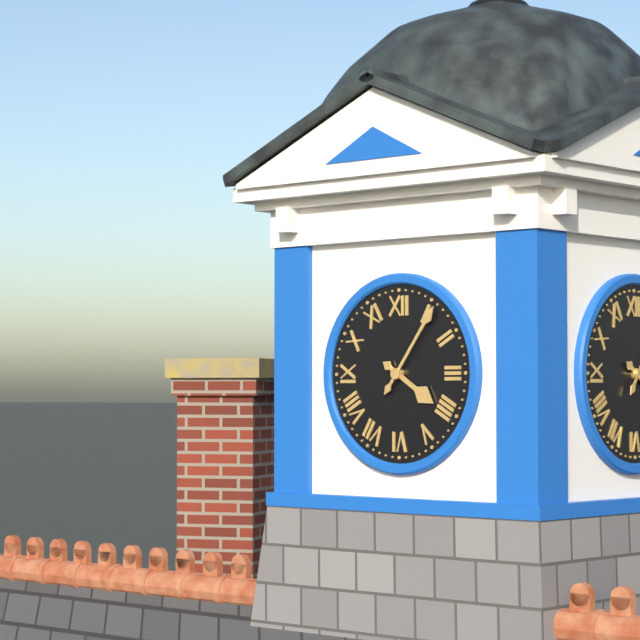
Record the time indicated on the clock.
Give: 4:06
